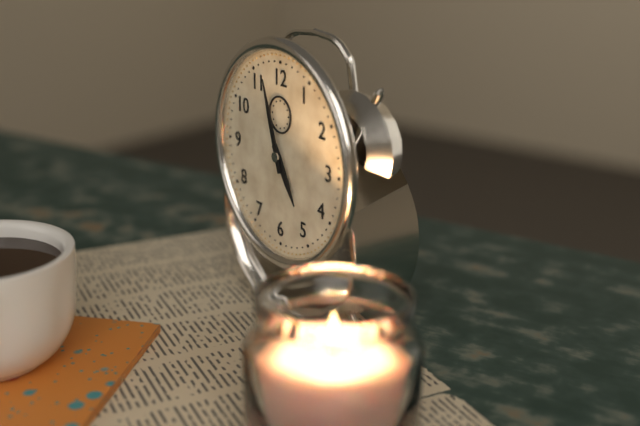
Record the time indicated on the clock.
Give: 4:57
